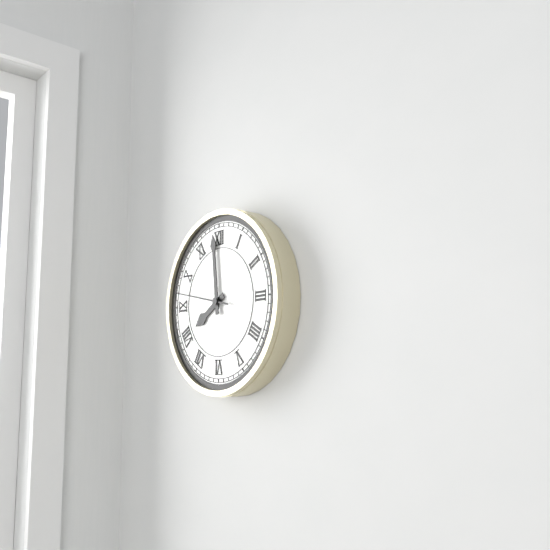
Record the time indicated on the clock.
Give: 7:59:47
